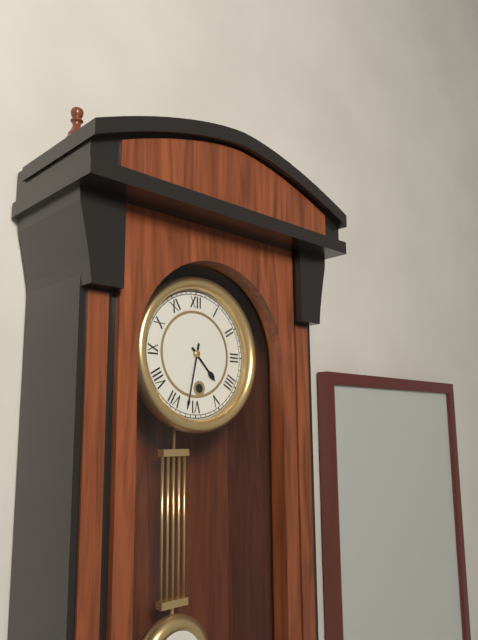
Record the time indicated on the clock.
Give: 4:32
